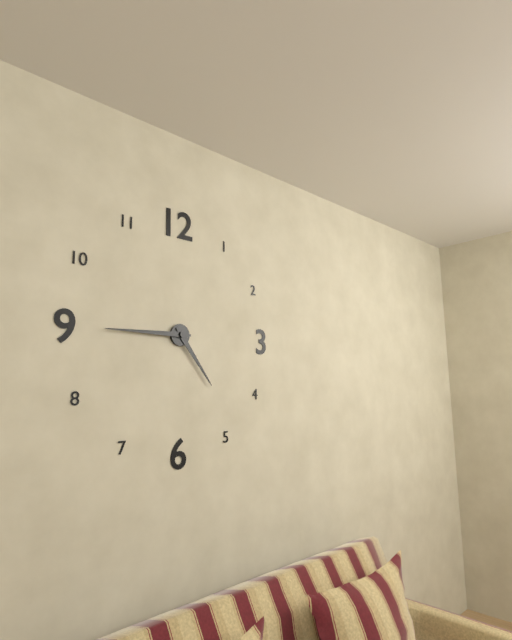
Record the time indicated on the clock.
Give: 4:45
